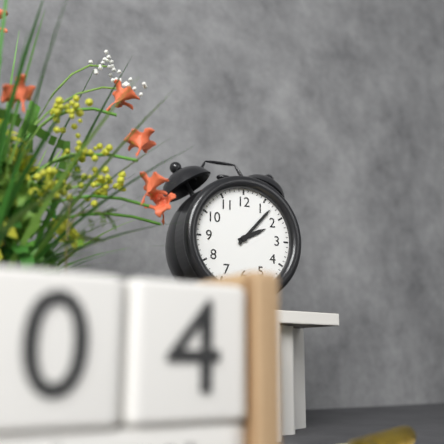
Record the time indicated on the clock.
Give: 2:07
